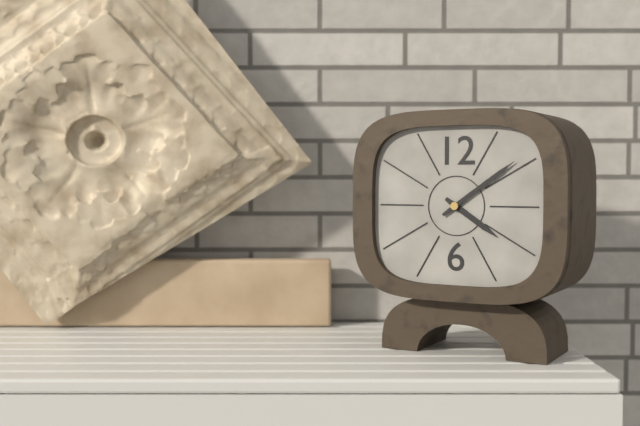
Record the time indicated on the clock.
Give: 4:09
